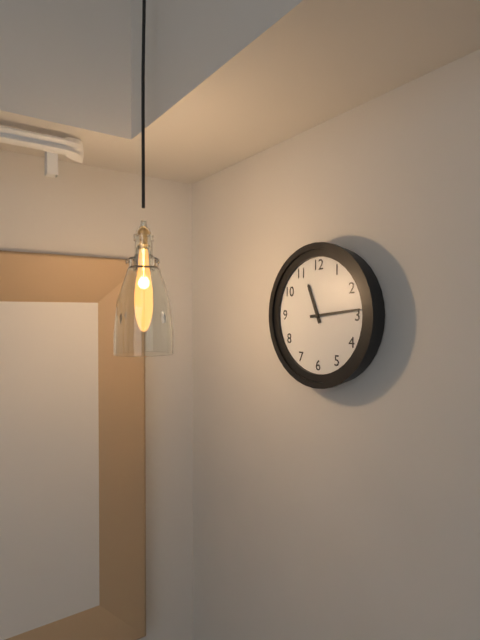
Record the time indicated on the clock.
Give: 11:14
